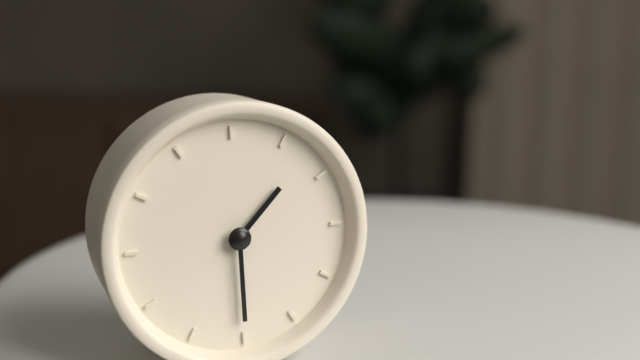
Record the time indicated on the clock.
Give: 1:30
